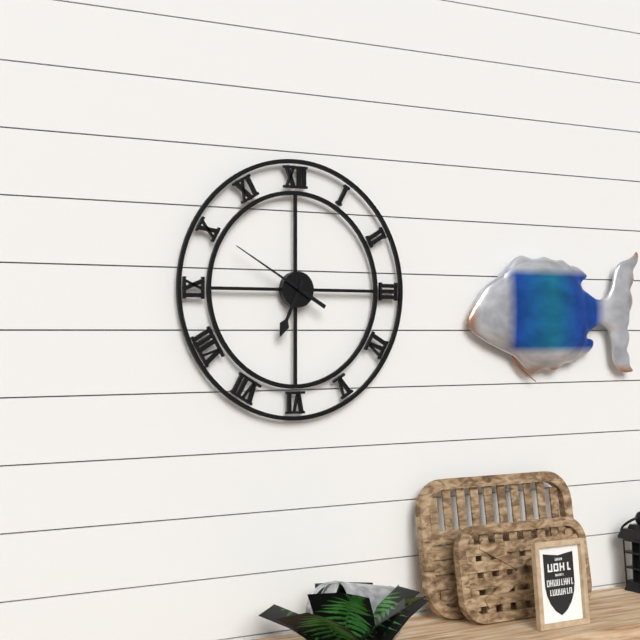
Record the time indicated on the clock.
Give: 6:50
